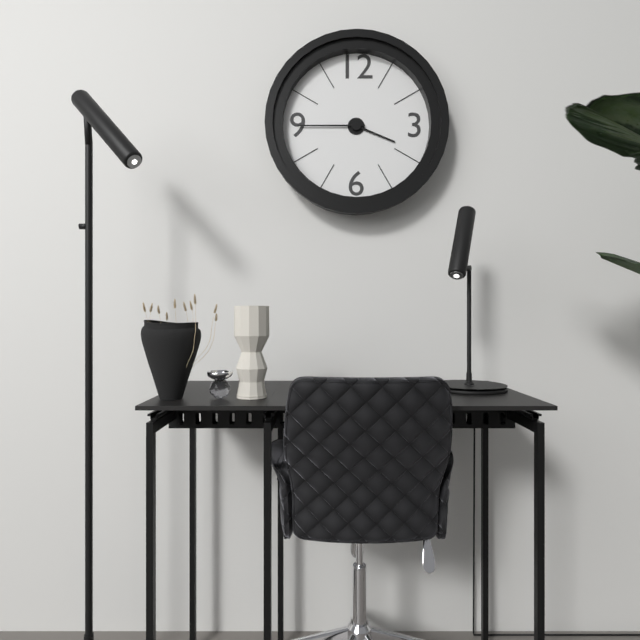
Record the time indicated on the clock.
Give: 3:45
